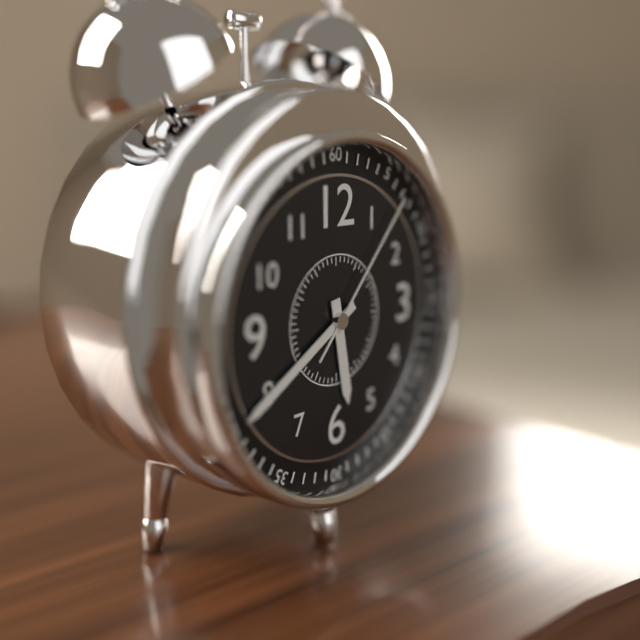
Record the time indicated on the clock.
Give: 5:40:07
